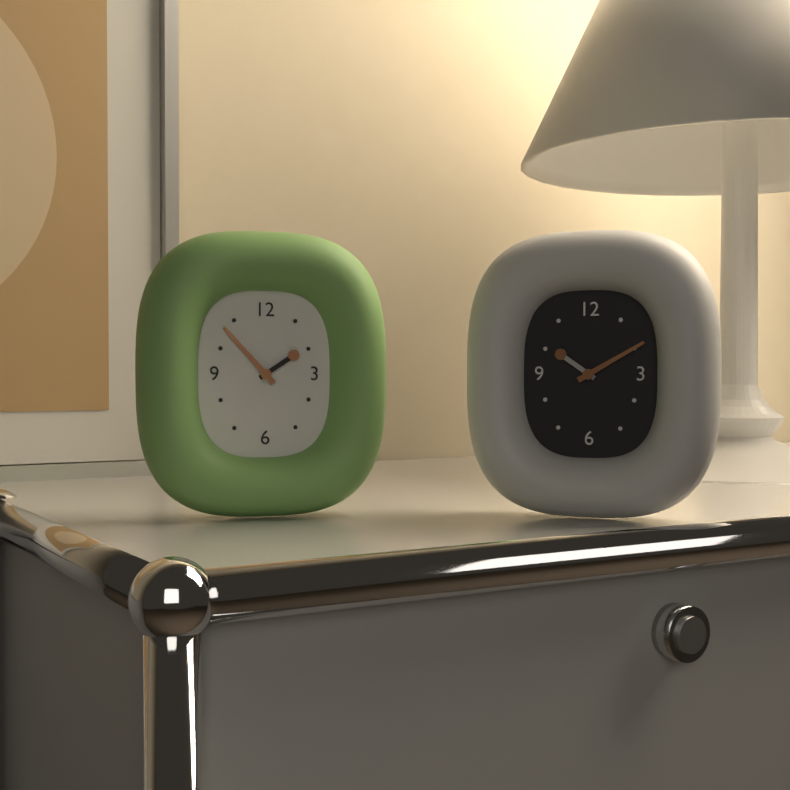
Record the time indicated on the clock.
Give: 1:53
